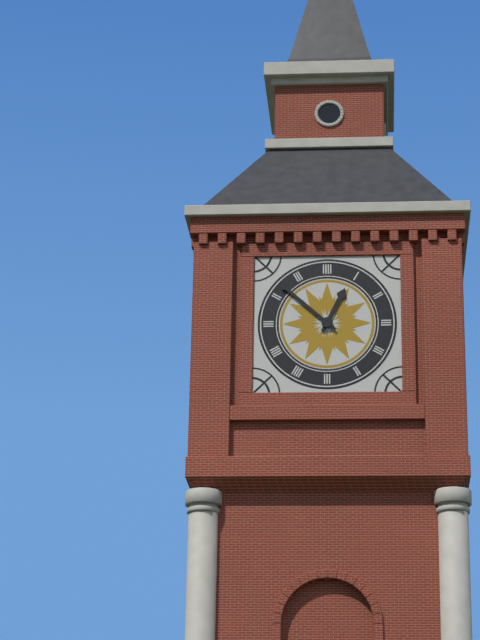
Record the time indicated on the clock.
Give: 12:52
